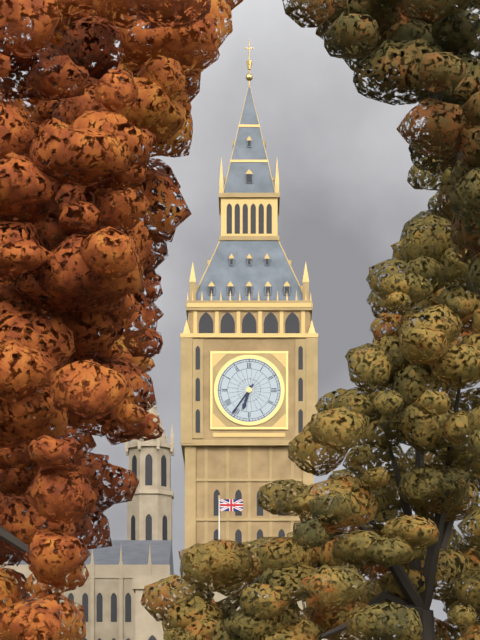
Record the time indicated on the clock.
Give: 6:36
